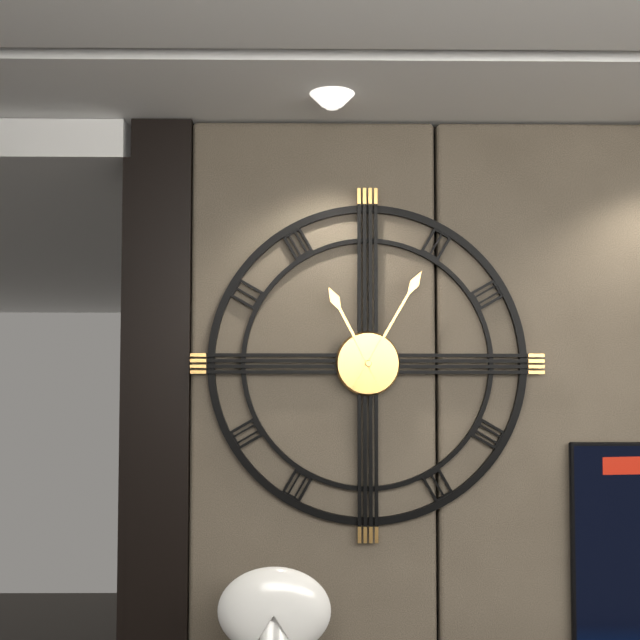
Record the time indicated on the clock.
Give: 11:05
